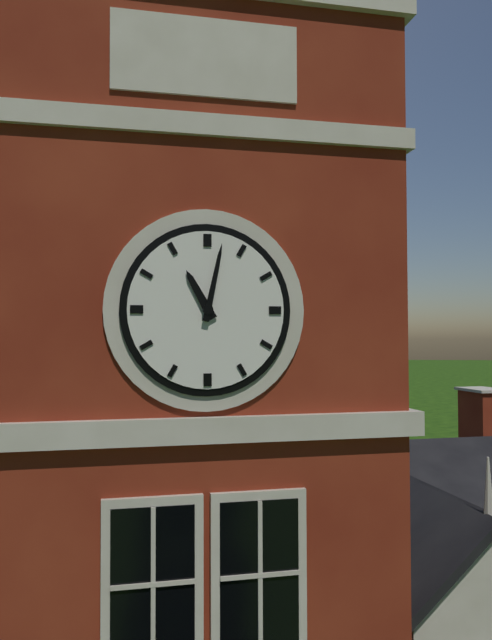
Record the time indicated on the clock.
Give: 11:02
